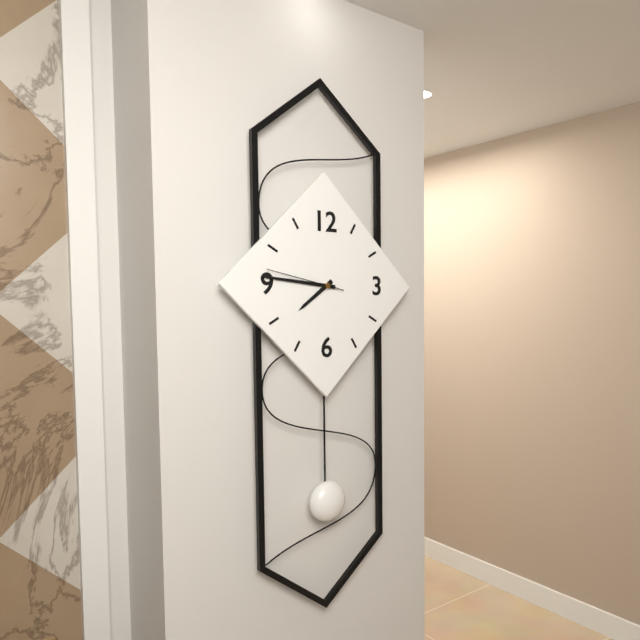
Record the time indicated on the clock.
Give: 7:46:47
